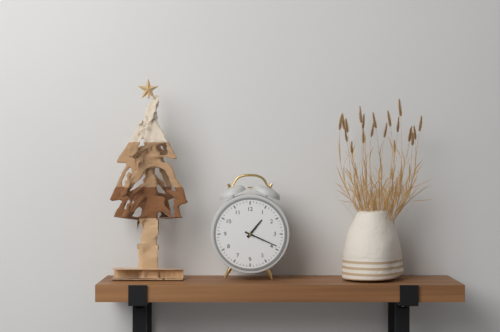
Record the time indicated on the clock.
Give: 1:19
